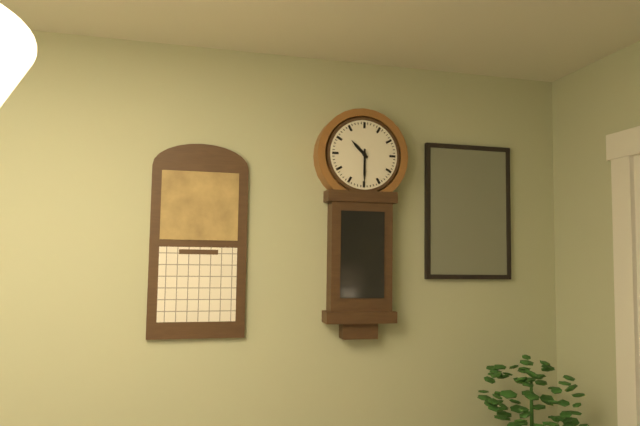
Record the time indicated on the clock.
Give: 10:30
